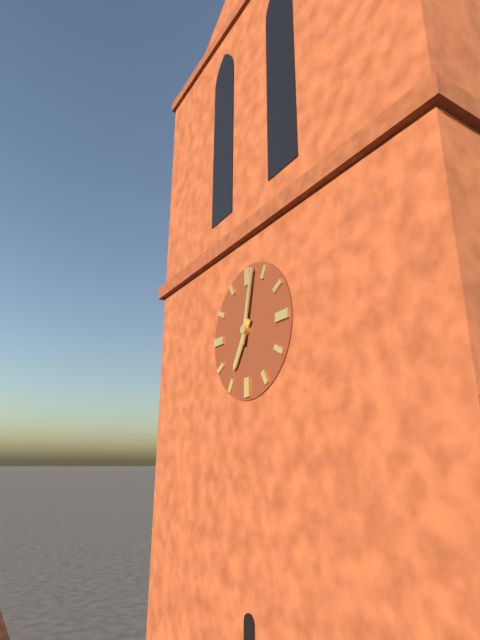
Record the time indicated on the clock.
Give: 7:02
